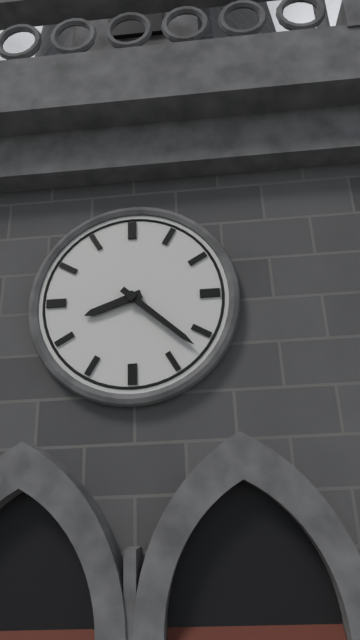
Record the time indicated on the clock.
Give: 8:22
